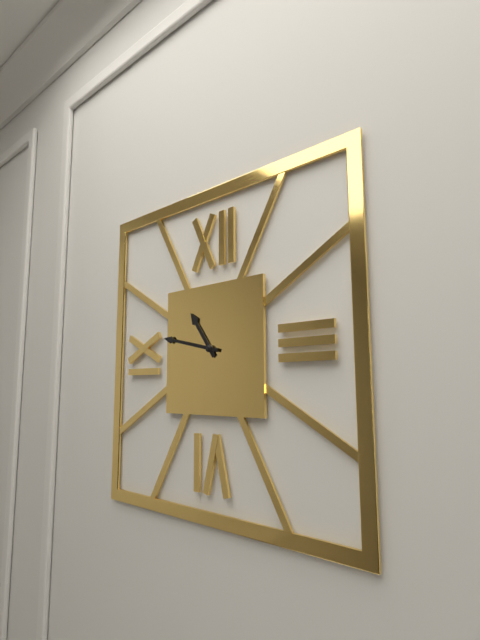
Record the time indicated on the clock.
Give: 10:47
